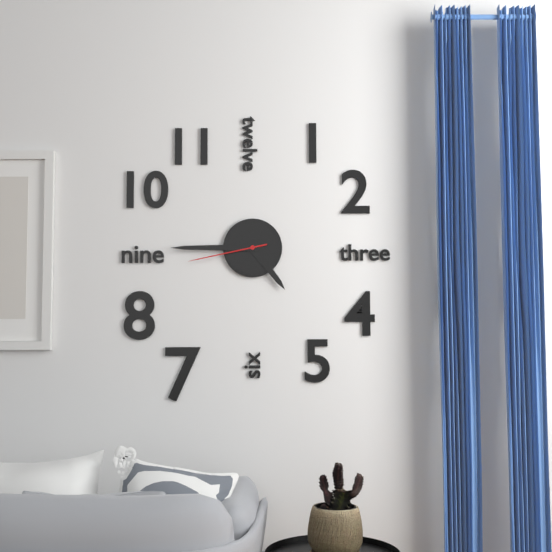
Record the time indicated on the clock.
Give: 4:45:43
